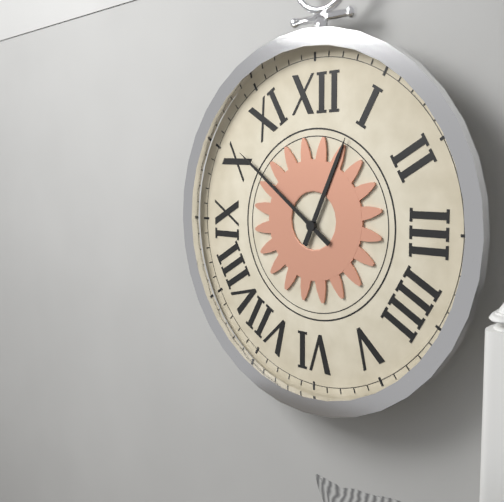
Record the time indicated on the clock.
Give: 12:51
